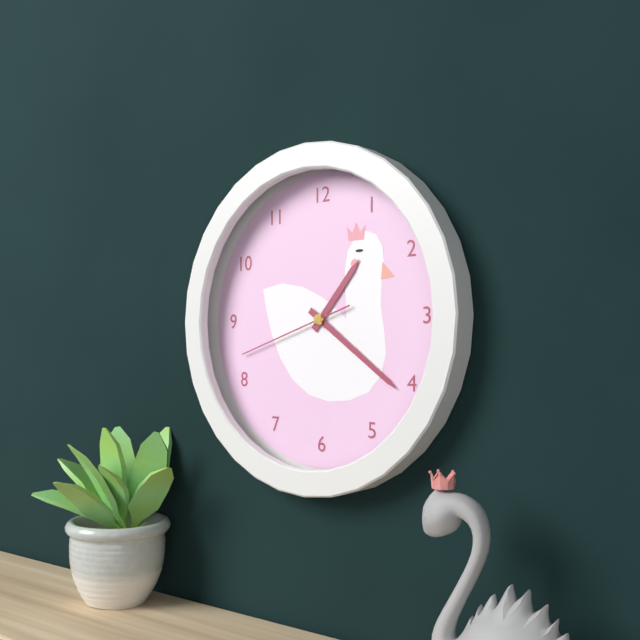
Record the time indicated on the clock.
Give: 1:21:42
